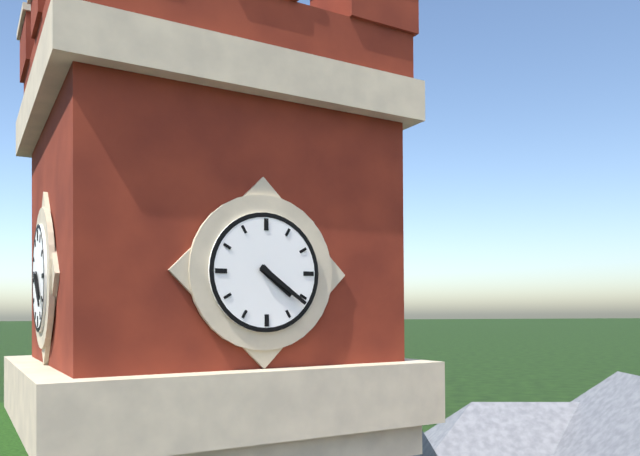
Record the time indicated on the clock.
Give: 4:21
